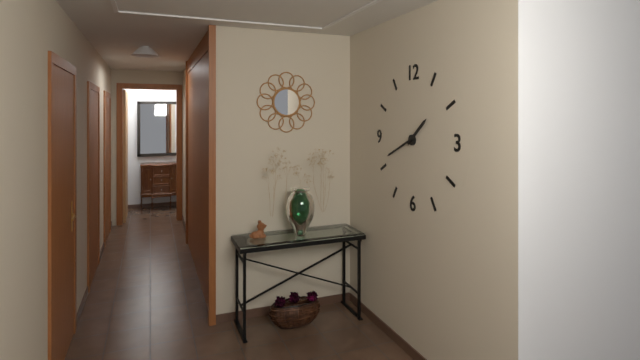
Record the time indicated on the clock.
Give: 1:41
